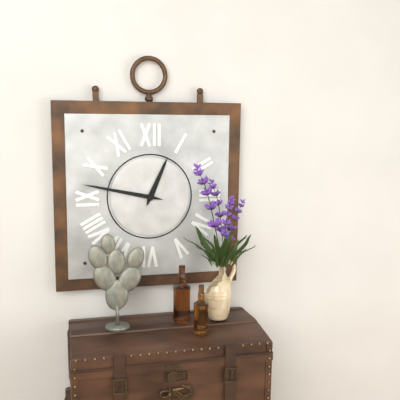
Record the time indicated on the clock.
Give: 12:47
